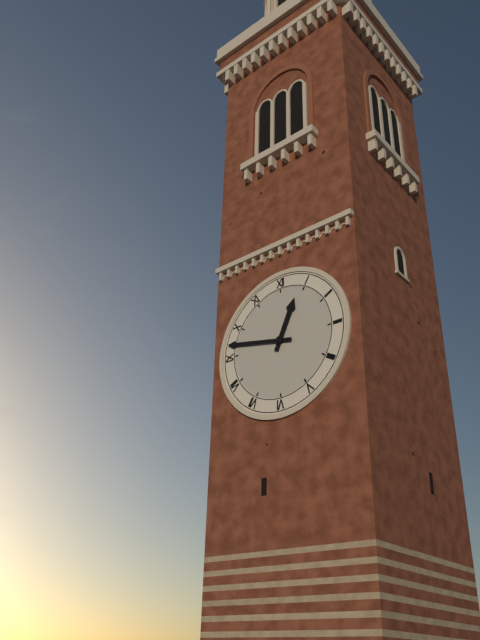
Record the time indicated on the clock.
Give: 12:47
